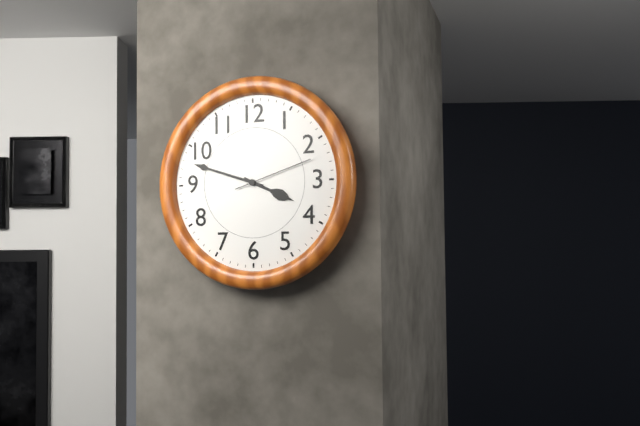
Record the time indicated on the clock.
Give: 3:48:12
